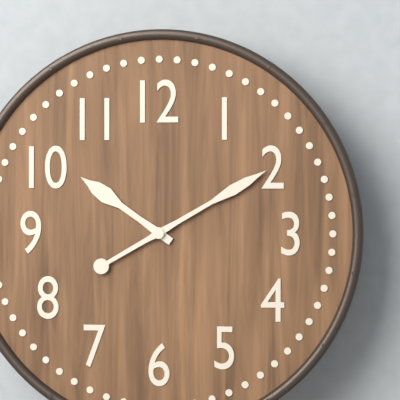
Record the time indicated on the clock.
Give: 10:10
